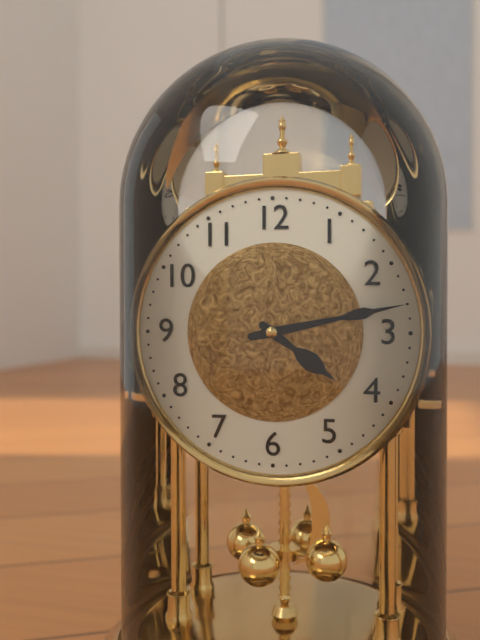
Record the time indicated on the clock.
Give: 4:13
